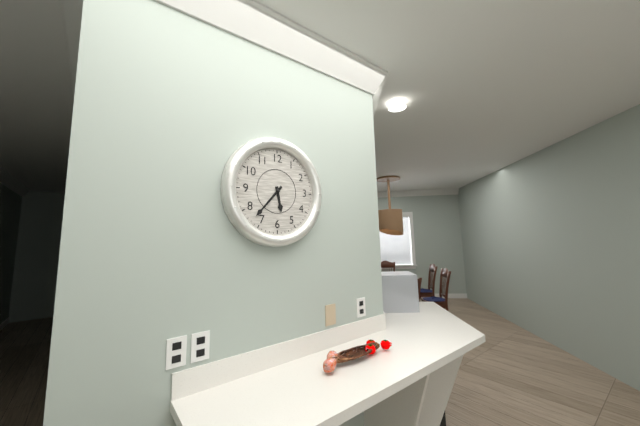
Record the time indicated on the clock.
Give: 5:37
